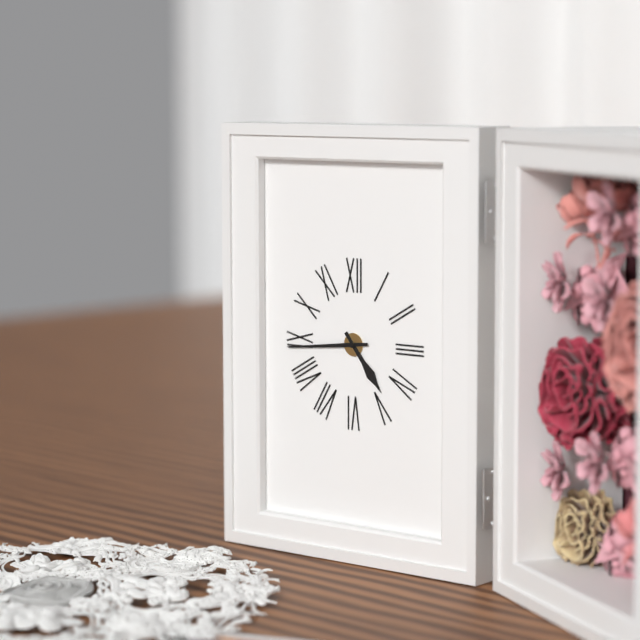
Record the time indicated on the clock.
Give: 4:44
